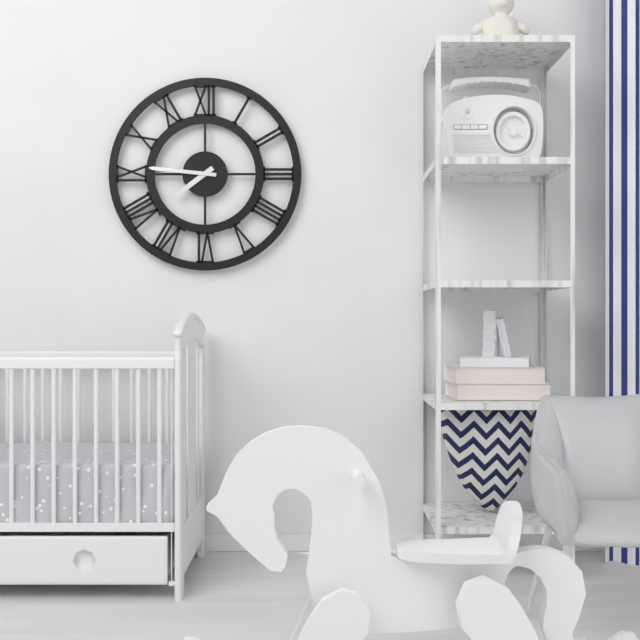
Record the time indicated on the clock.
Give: 7:46
